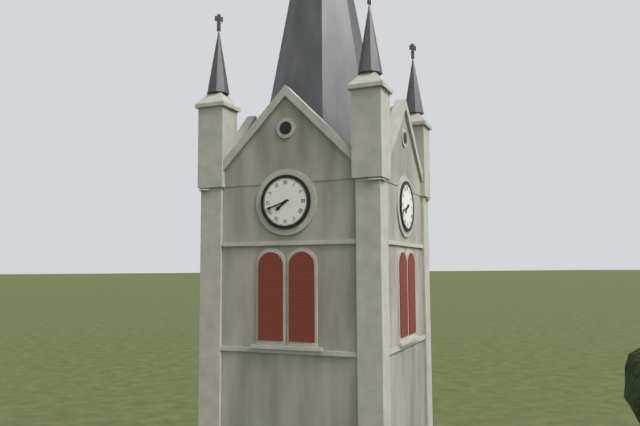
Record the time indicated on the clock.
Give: 7:42
